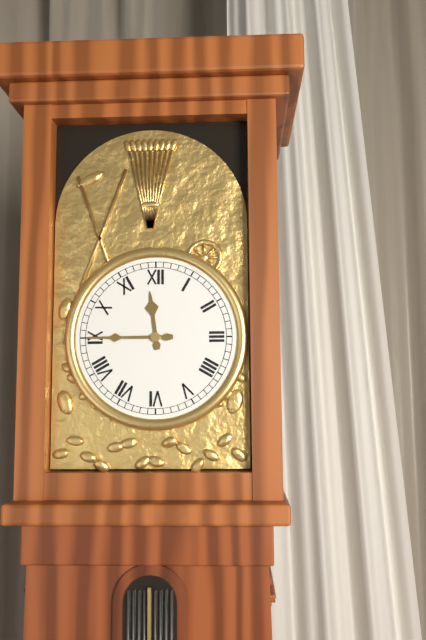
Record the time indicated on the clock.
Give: 11:45
